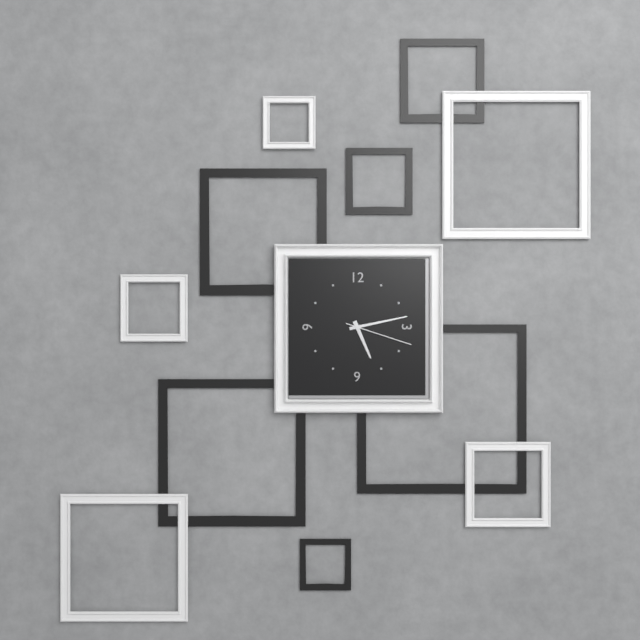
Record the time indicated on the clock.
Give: 5:13:18
